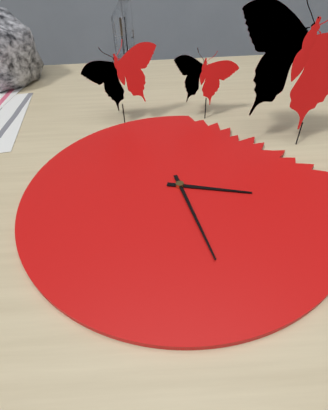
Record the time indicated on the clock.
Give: 3:28
